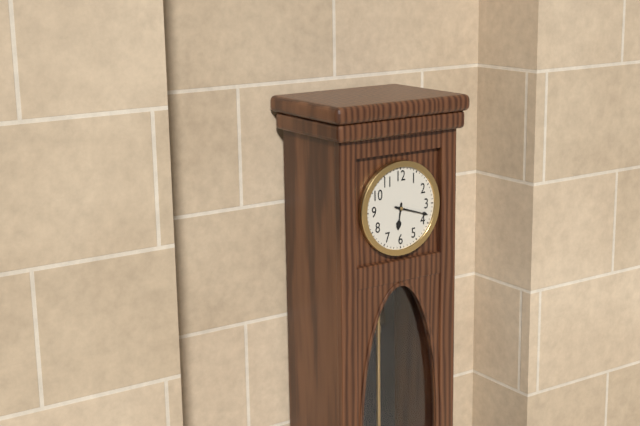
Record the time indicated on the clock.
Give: 6:18
